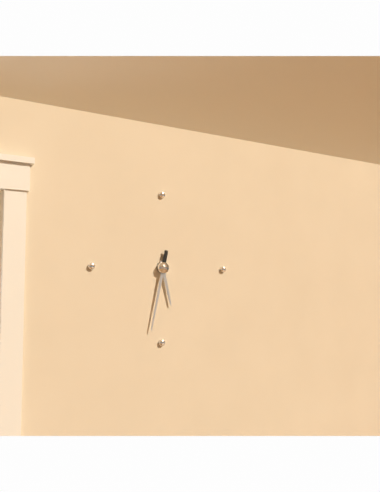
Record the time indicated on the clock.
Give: 5:32
